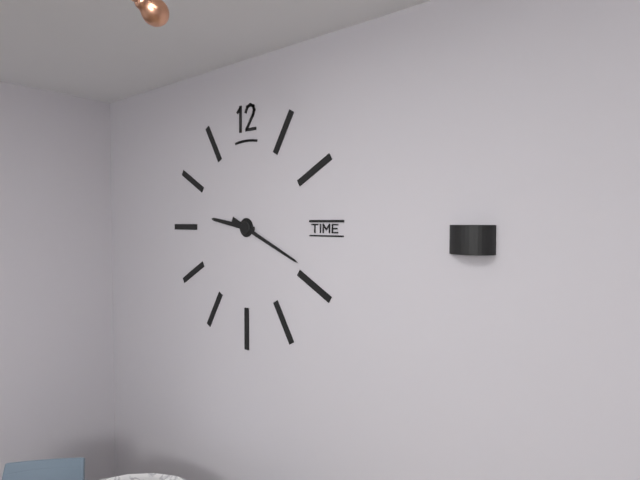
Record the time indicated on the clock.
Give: 9:19
